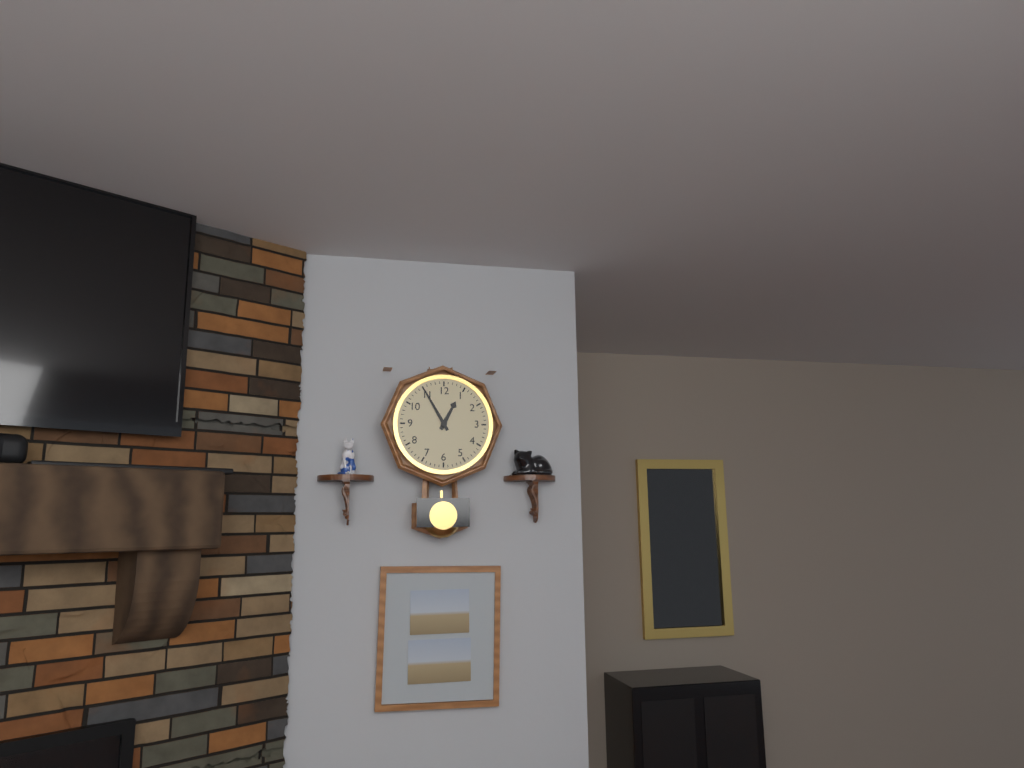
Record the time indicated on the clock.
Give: 12:55
